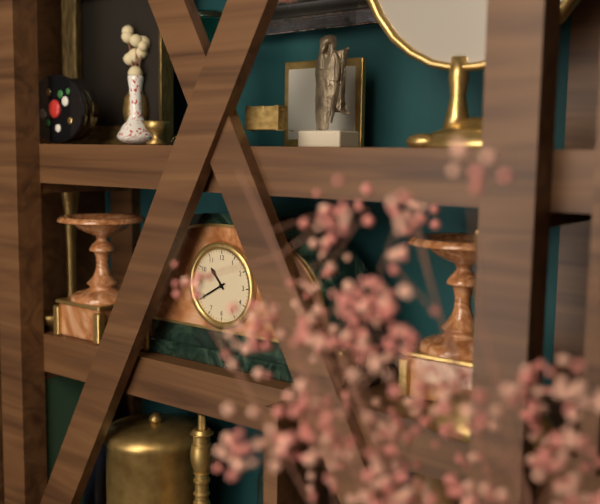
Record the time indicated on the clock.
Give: 10:40
